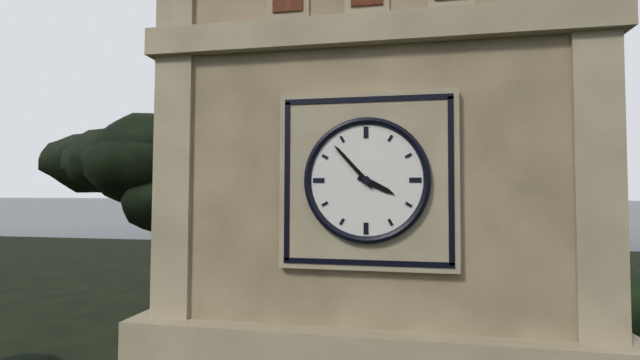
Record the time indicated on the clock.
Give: 3:53
